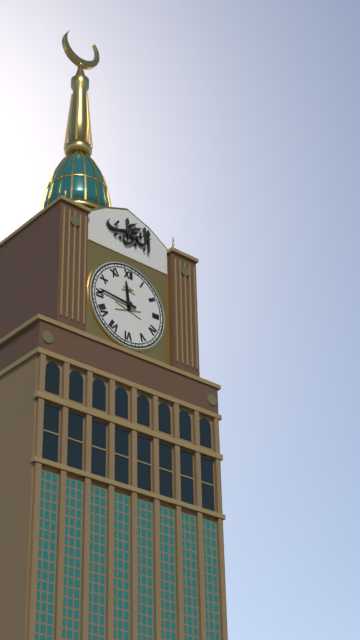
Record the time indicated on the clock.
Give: 11:46
